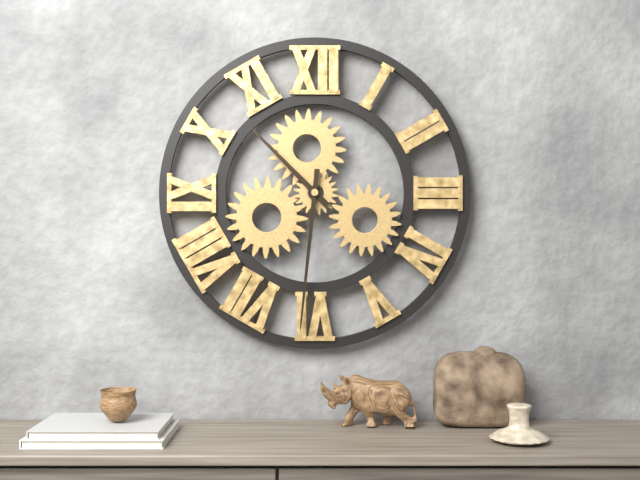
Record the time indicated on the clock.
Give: 10:31
